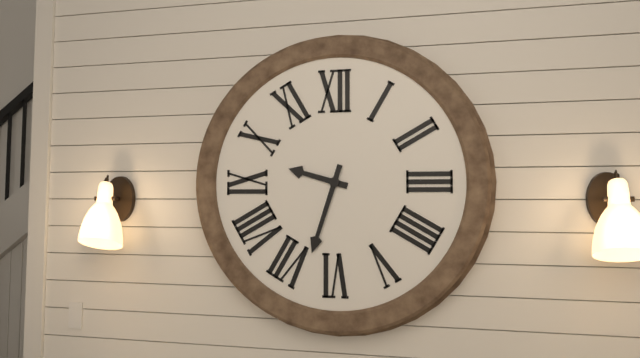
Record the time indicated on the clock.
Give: 9:33
